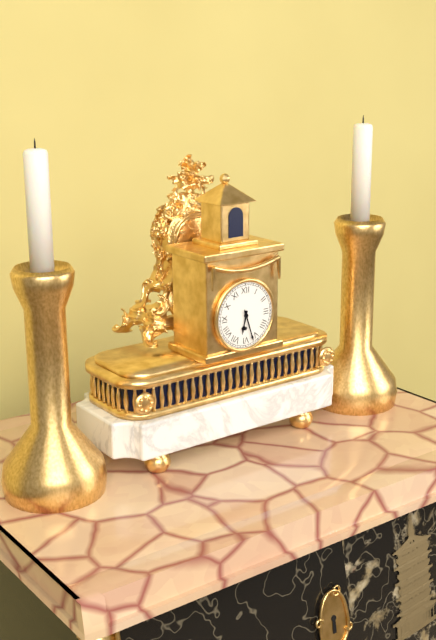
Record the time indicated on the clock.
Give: 6:27
